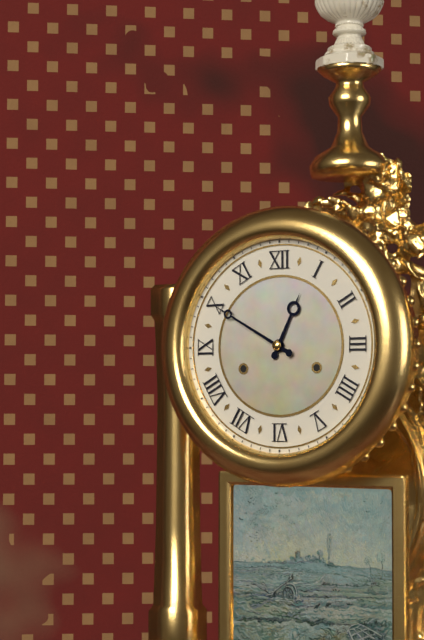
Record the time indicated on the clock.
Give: 12:50
